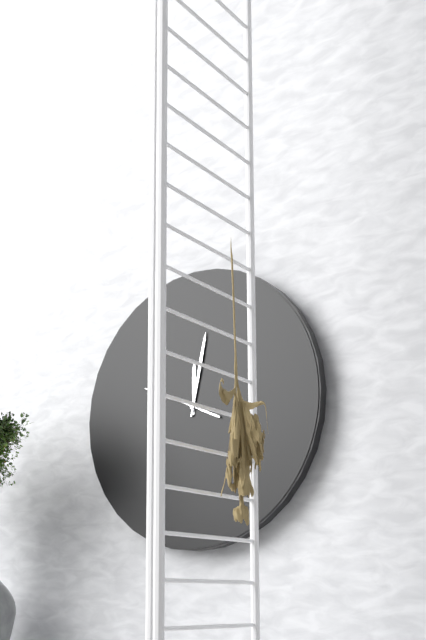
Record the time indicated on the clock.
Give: 12:02
